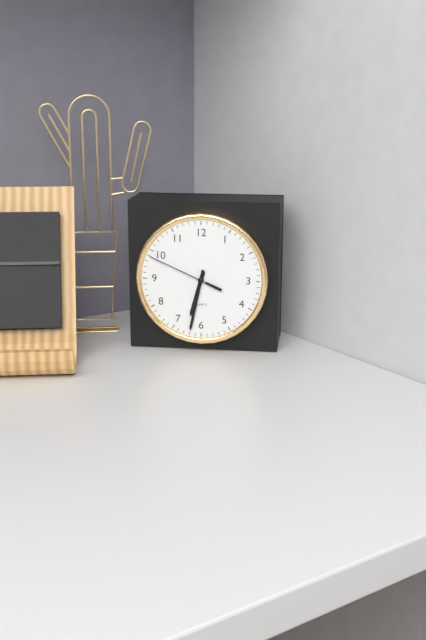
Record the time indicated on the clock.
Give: 6:32:49
